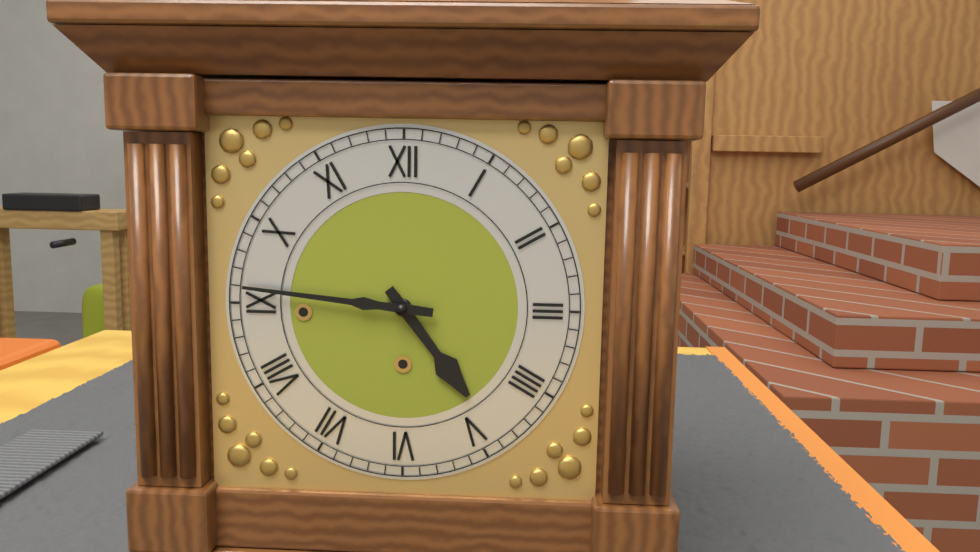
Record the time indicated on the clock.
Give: 4:46
